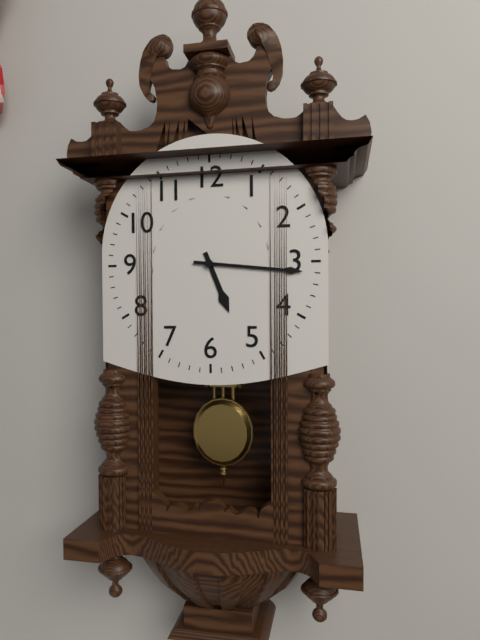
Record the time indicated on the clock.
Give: 5:16
